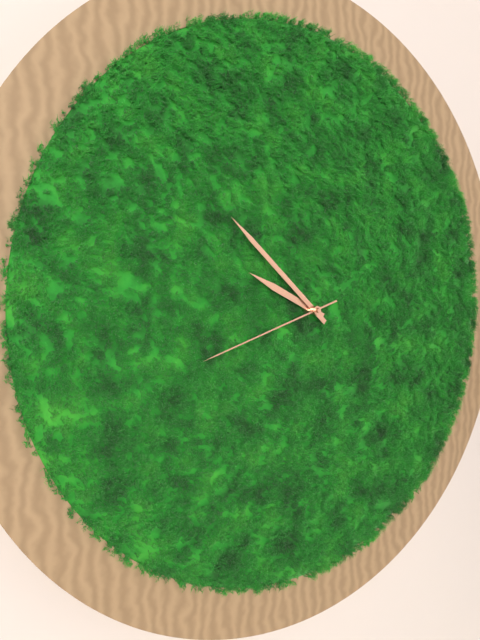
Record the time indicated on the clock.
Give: 9:52:42
